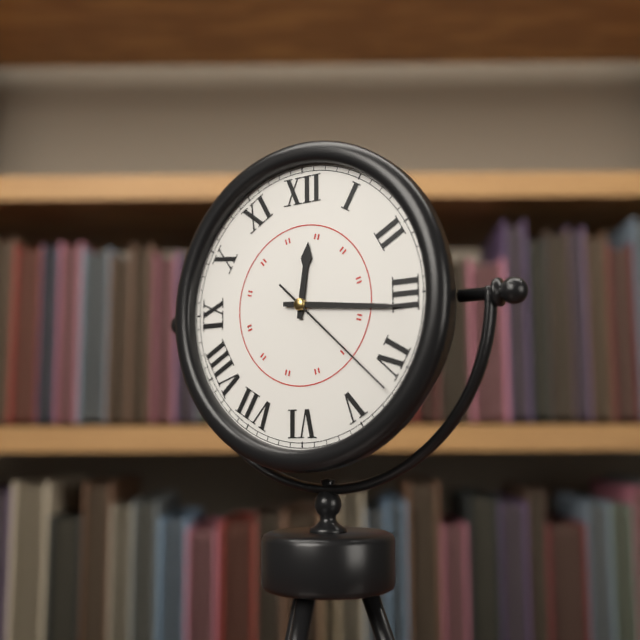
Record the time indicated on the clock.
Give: 12:16:22
